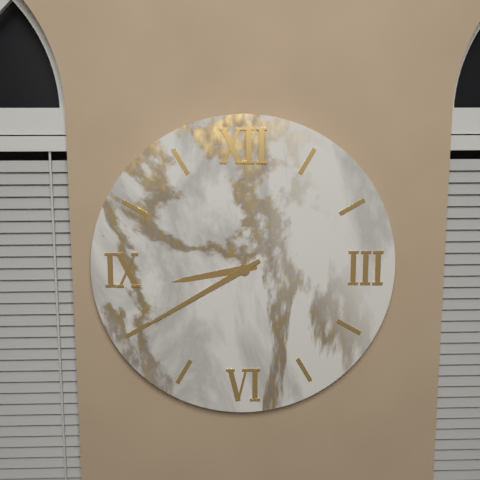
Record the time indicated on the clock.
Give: 8:40
